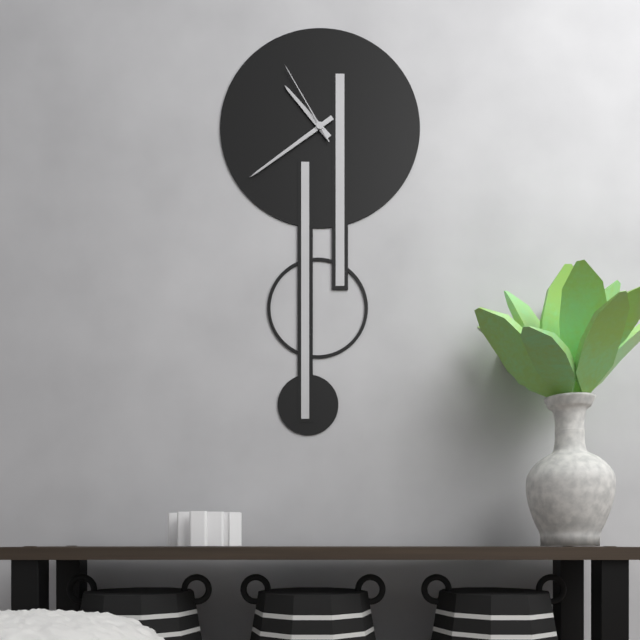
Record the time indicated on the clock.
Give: 10:39:55
